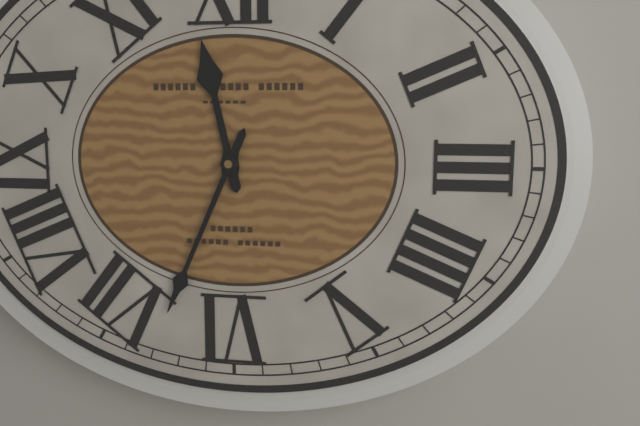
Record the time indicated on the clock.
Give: 11:34
